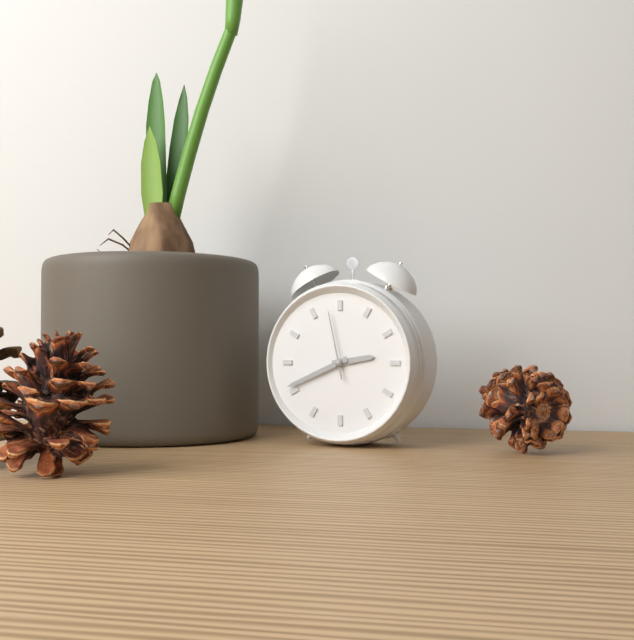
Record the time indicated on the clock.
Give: 2:41:58
